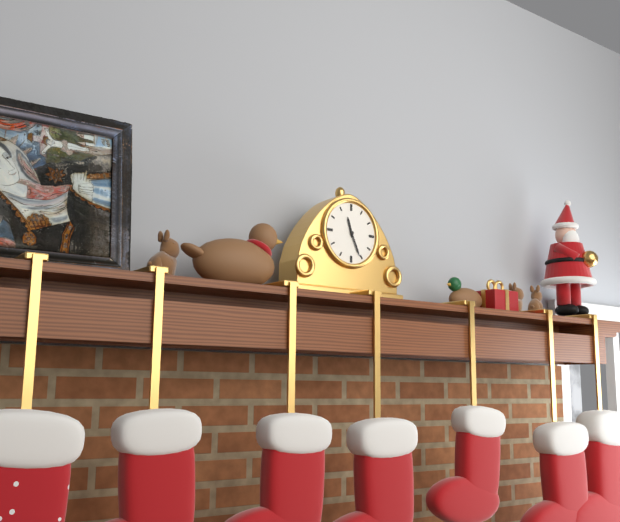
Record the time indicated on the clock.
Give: 11:26
